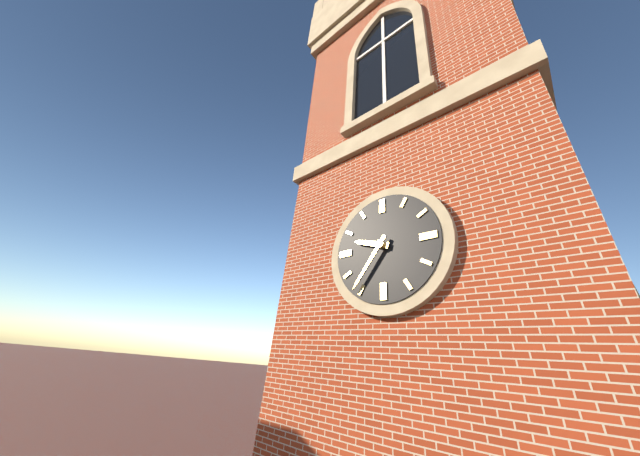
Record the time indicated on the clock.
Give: 9:36
